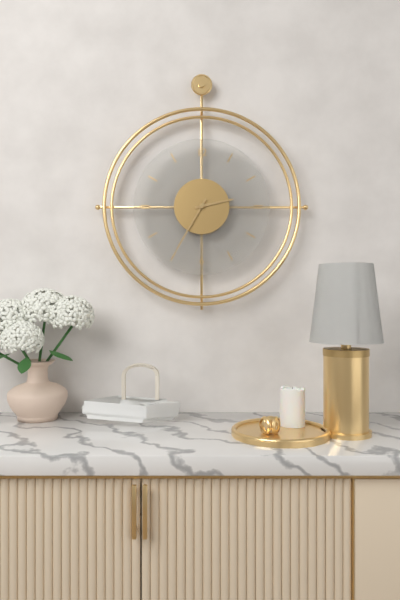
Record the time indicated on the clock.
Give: 2:35
